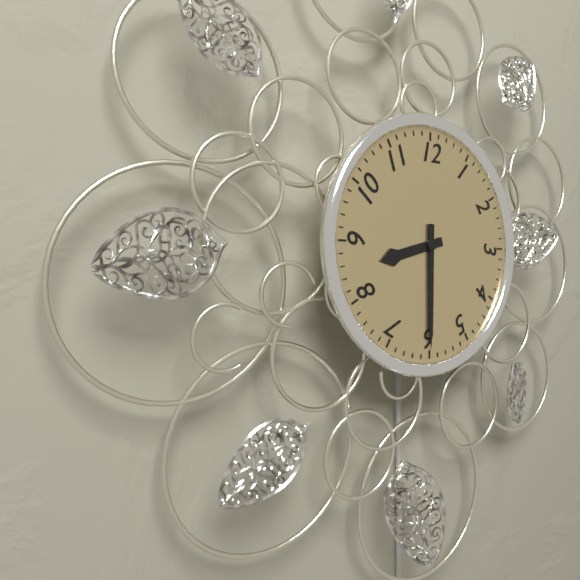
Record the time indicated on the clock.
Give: 8:30
